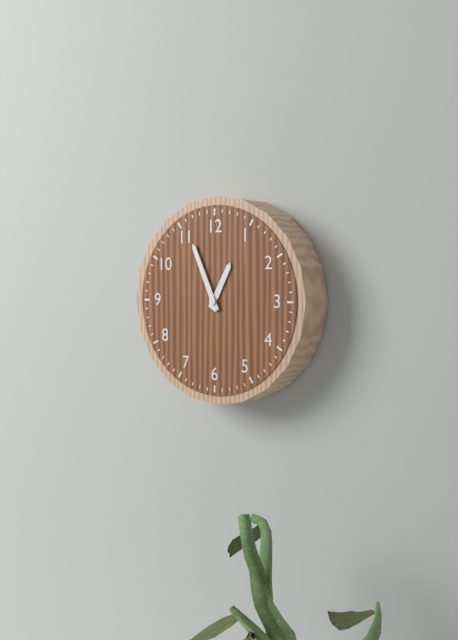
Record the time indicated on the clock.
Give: 12:56
